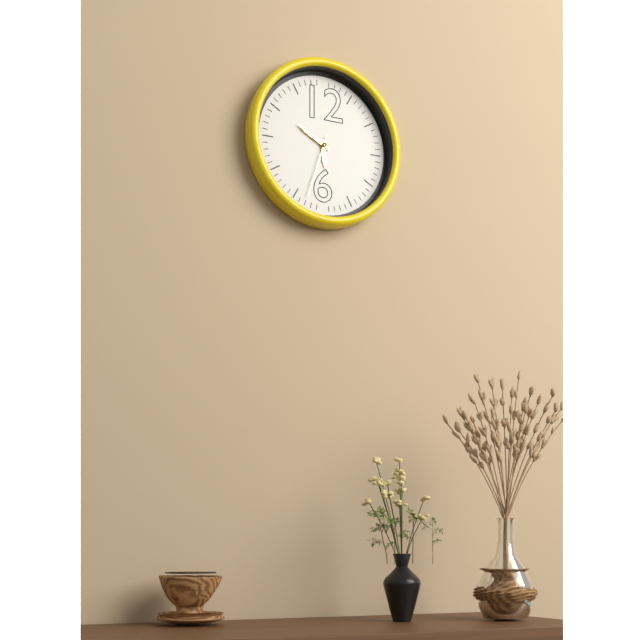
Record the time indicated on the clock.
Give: 5:50:33
